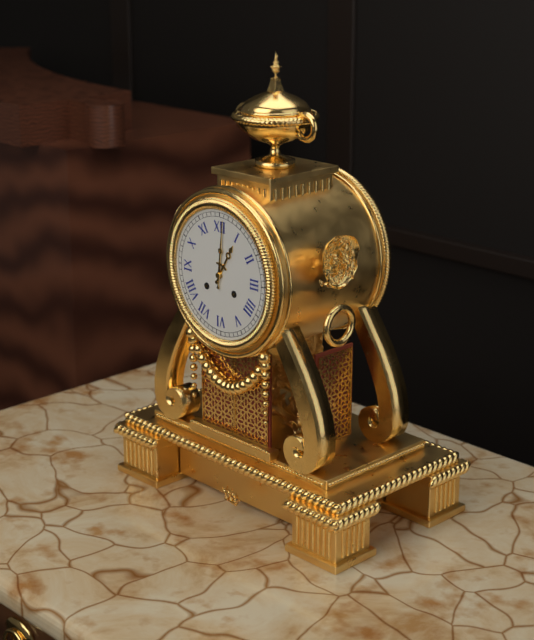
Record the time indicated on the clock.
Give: 1:01
